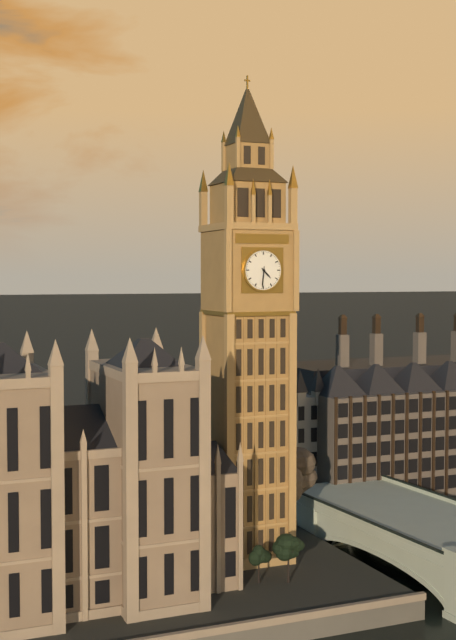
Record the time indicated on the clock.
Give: 4:31
